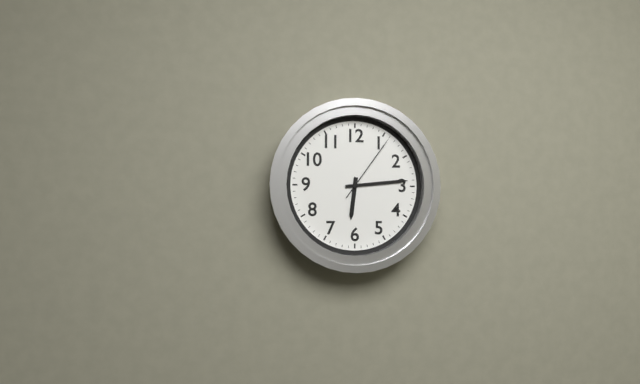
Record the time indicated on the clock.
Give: 6:14:06
